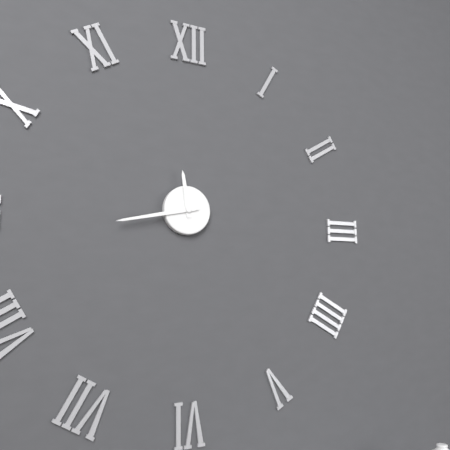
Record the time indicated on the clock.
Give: 11:43
